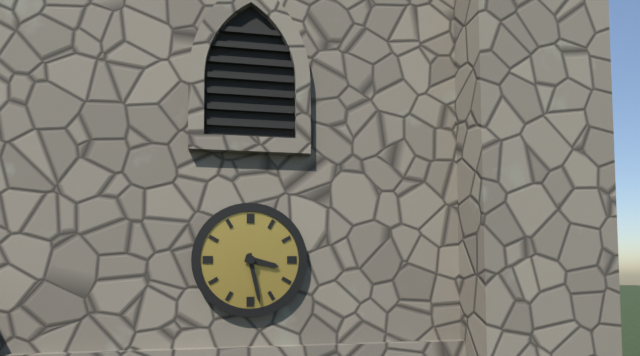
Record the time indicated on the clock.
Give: 3:28
